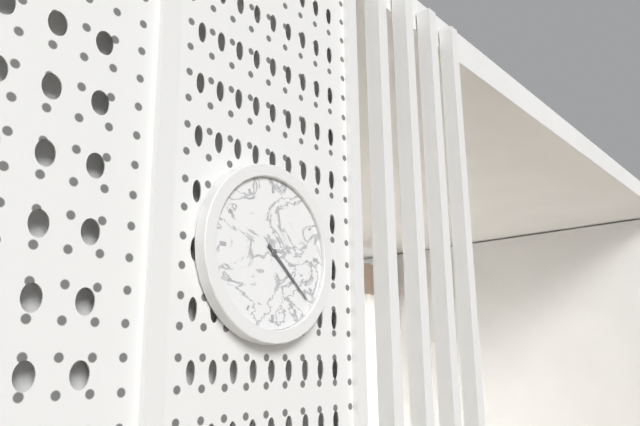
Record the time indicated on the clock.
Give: 4:22
